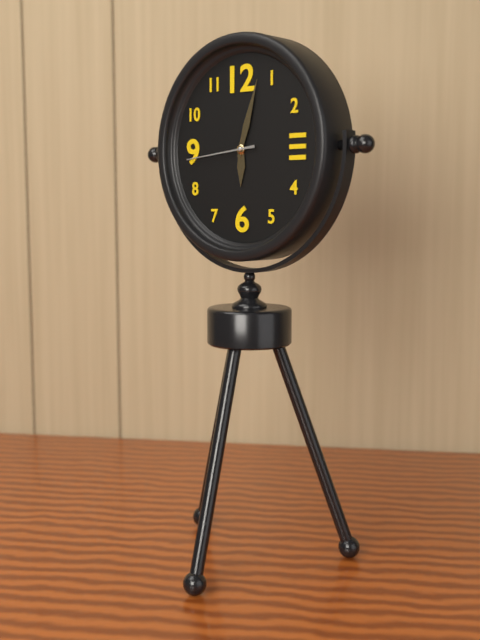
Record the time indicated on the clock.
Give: 6:03:44
